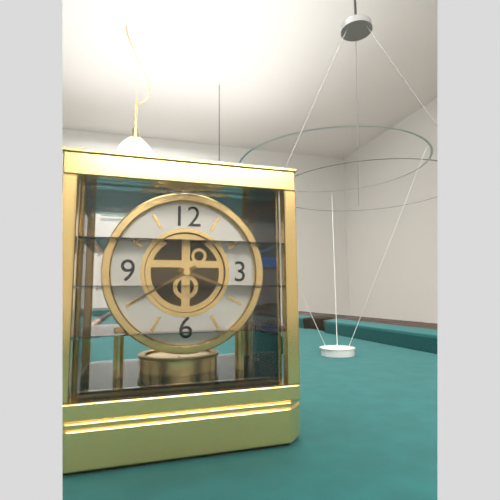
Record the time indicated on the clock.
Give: 3:40
